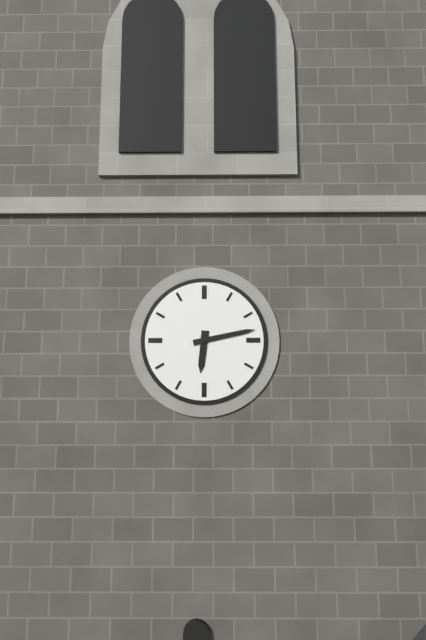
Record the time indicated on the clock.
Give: 6:13
